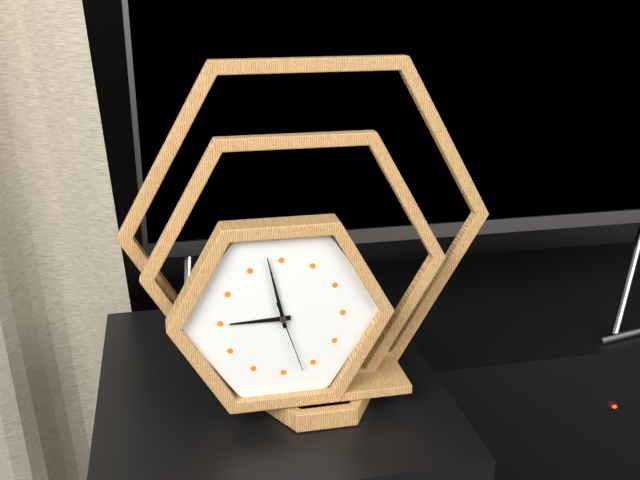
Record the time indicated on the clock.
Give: 8:58:27
